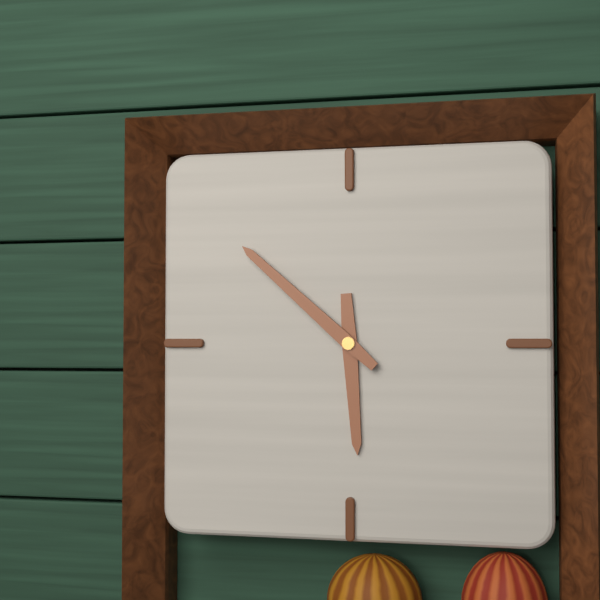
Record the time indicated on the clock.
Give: 5:52
